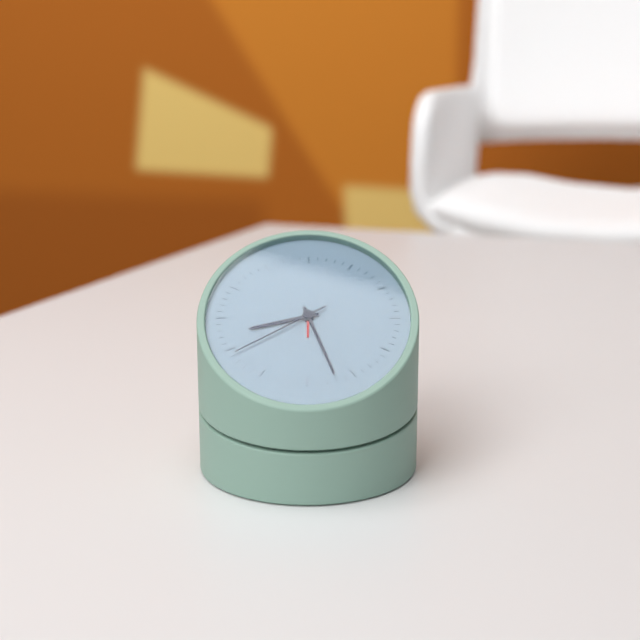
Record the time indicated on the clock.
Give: 8:27:39
